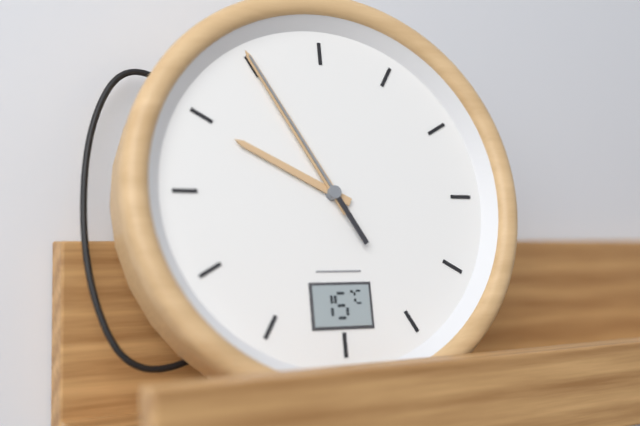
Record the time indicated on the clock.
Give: 9:55:55
